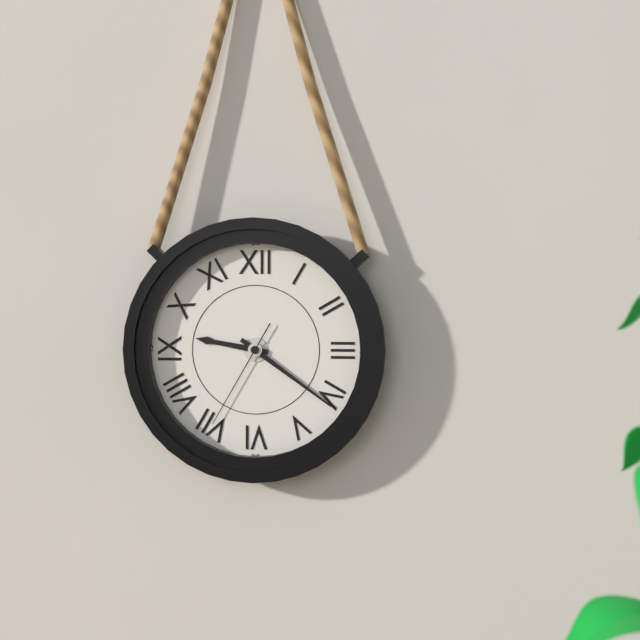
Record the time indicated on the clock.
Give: 9:21:35
